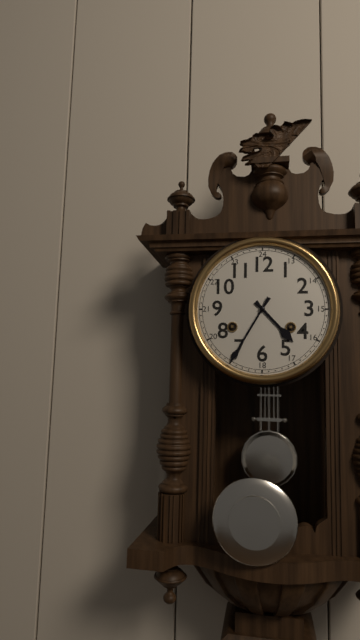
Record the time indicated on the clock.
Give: 4:35
